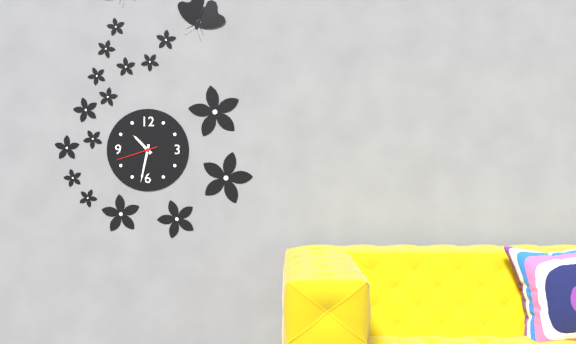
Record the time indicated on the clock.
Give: 10:32
